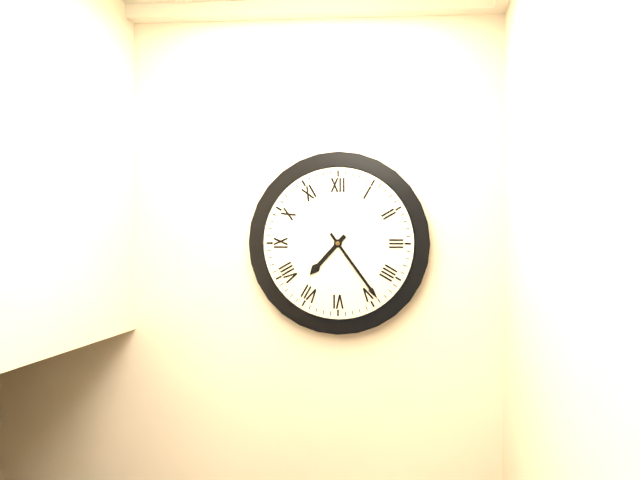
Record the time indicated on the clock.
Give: 7:24
